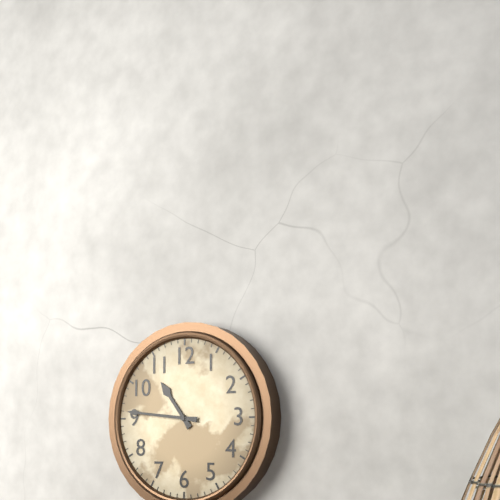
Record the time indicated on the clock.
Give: 10:46
